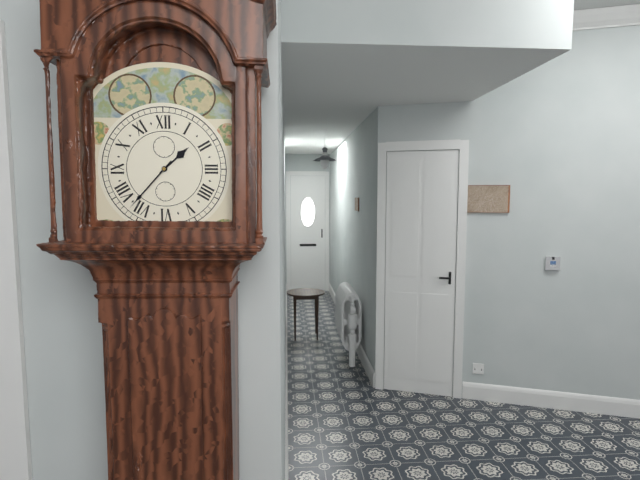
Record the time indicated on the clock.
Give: 1:37
